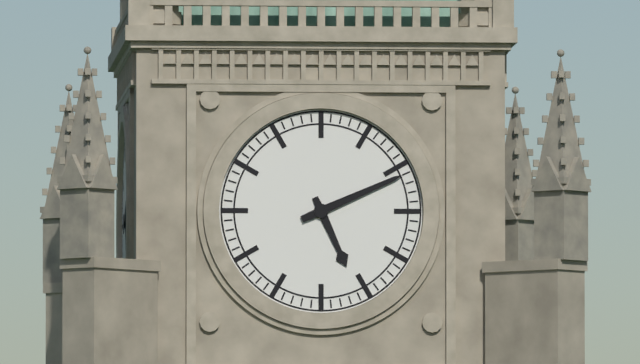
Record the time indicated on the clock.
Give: 5:11
